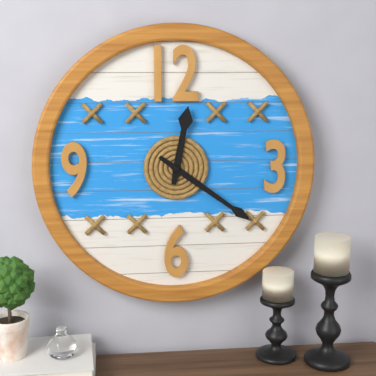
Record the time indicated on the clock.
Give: 12:21
